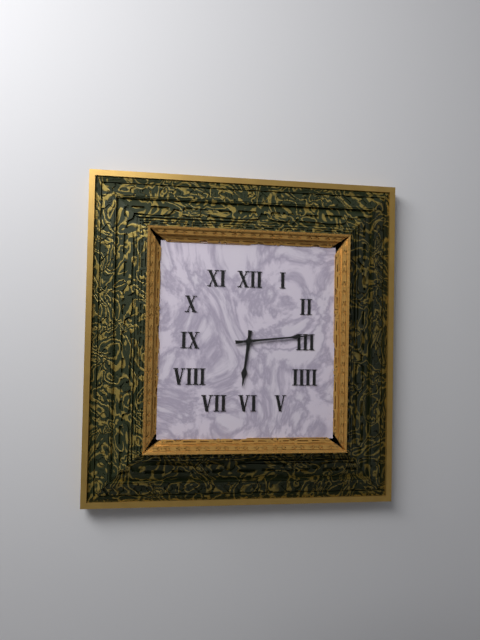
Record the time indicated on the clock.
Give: 6:14
